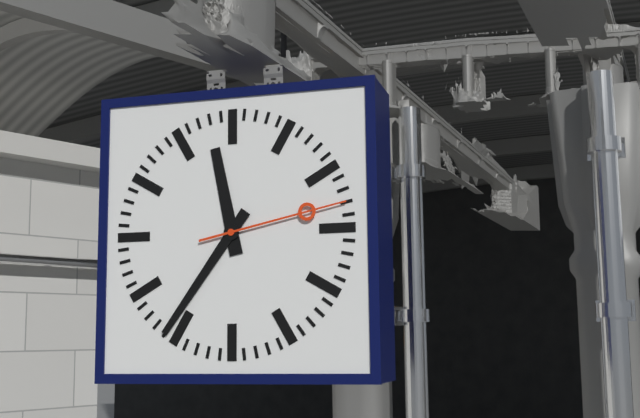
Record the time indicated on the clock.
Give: 11:36:13
